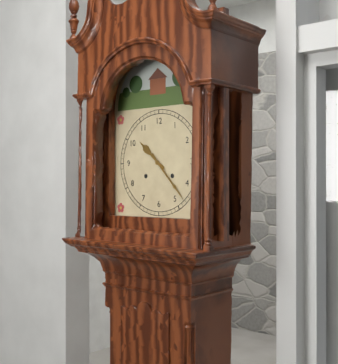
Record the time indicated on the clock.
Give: 10:23
